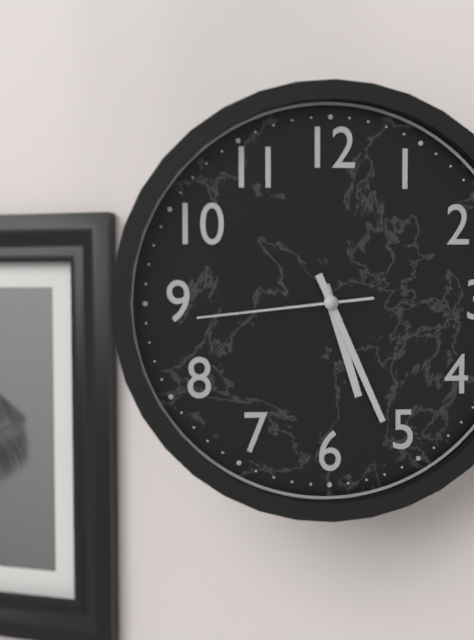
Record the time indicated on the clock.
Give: 5:26:44
